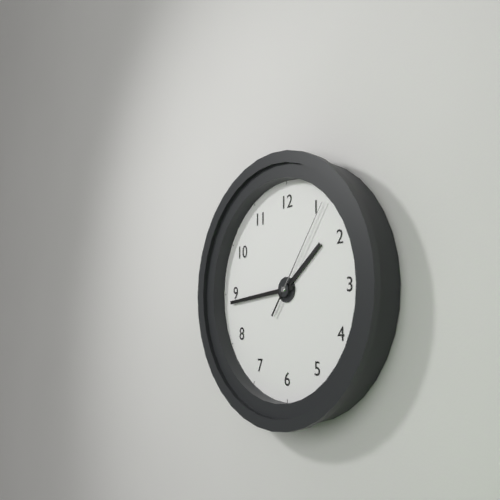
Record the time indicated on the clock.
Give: 1:44:06
